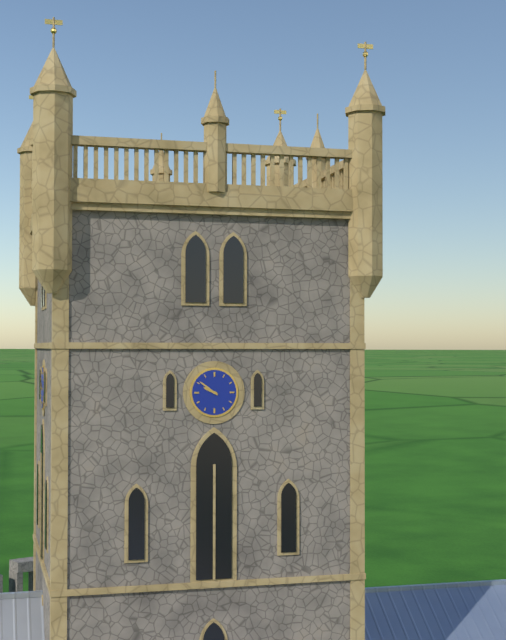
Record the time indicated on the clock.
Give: 9:51
